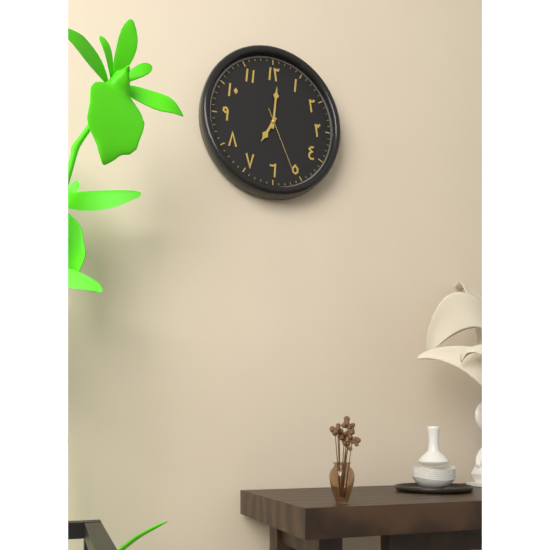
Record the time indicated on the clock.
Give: 7:01:26
